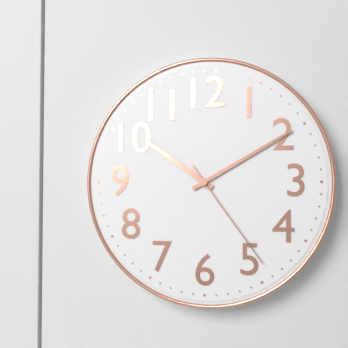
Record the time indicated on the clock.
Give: 10:10:24
